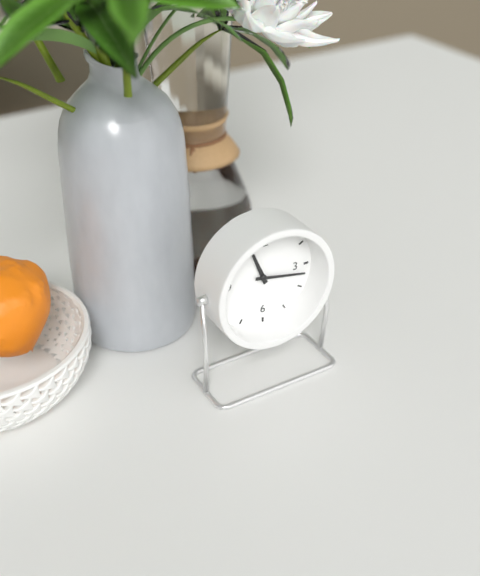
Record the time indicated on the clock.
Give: 11:17
